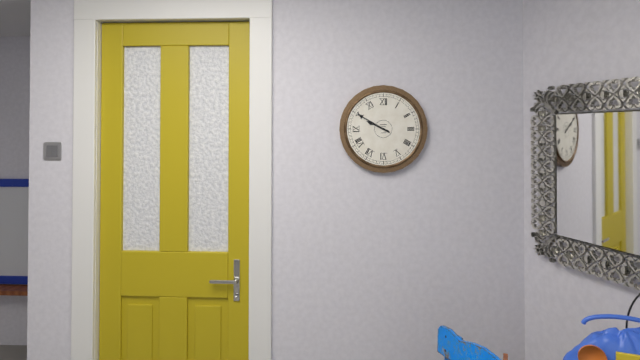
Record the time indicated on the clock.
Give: 9:50
